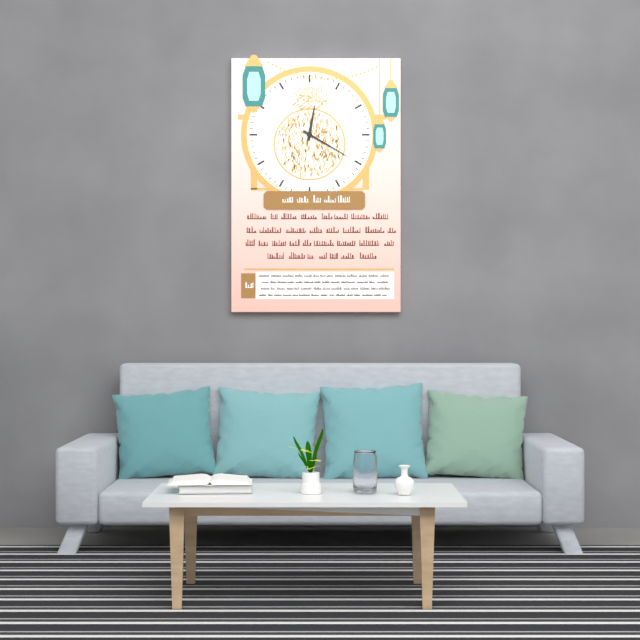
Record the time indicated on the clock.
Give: 12:20
